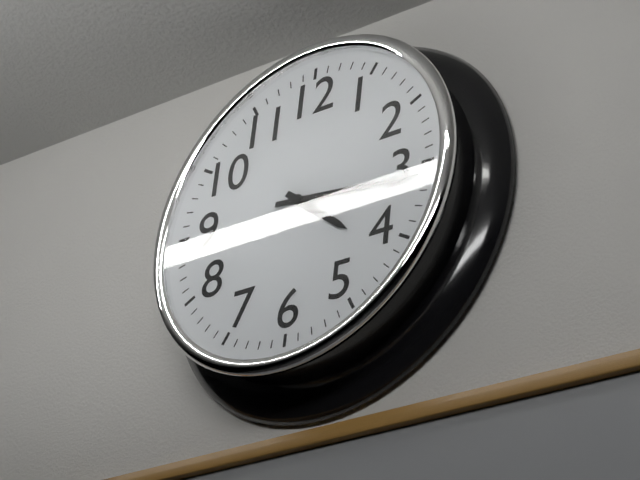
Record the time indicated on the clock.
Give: 4:16
